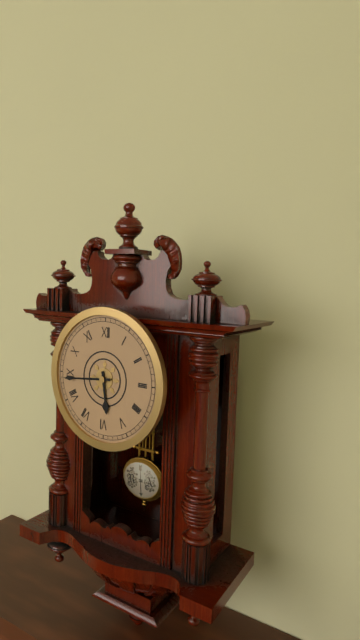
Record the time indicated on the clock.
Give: 5:44
